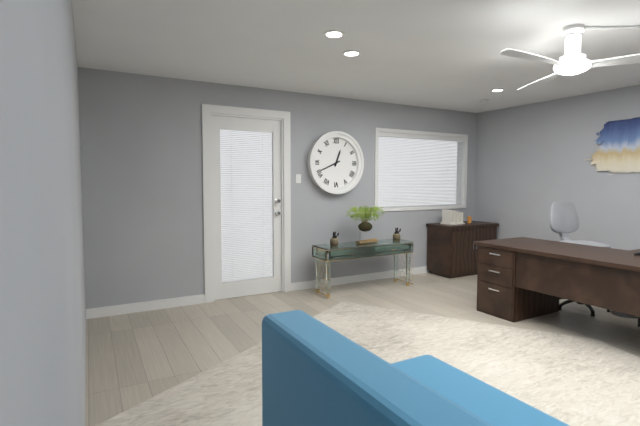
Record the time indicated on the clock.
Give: 12:41
